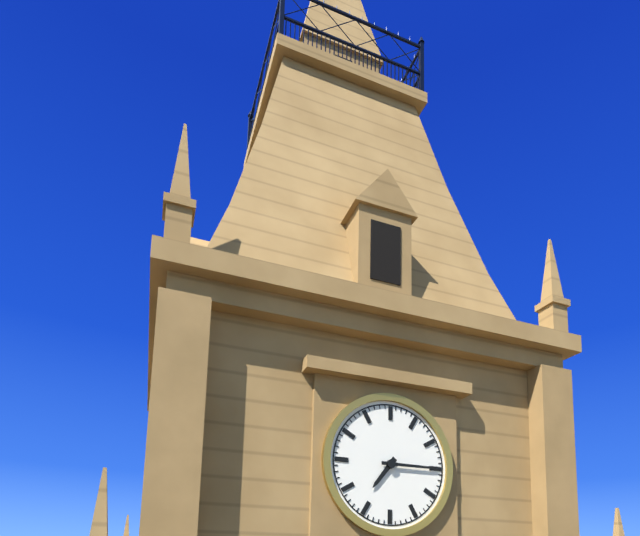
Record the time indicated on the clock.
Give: 7:15
